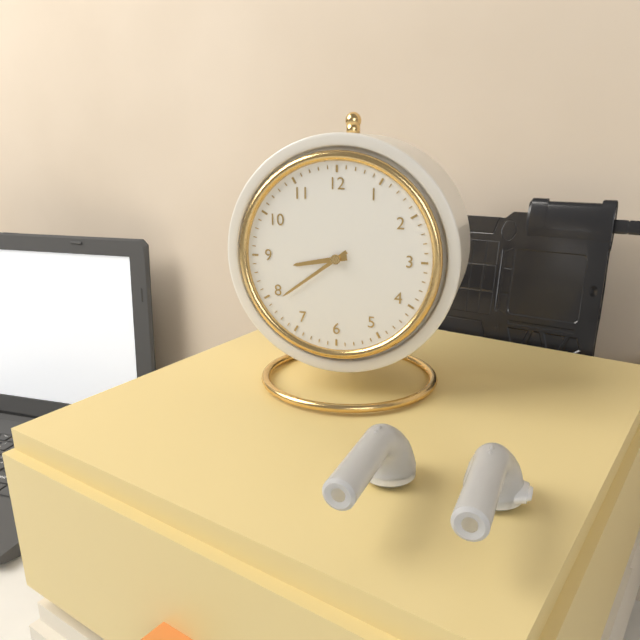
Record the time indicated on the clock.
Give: 8:39
